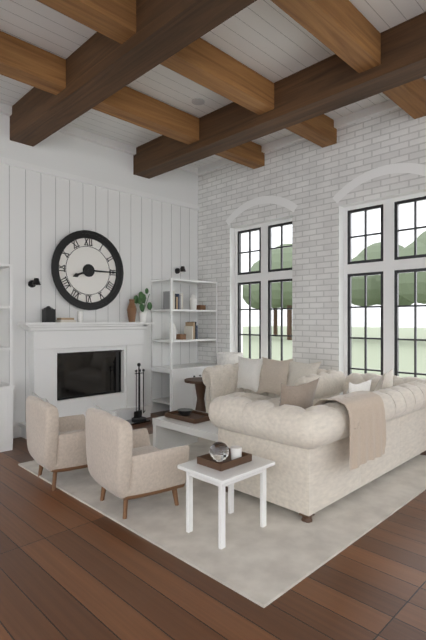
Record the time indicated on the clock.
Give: 8:15
